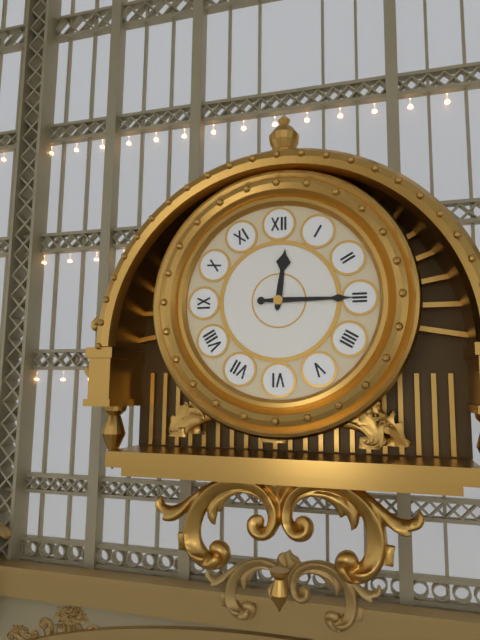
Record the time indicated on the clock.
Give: 12:15
